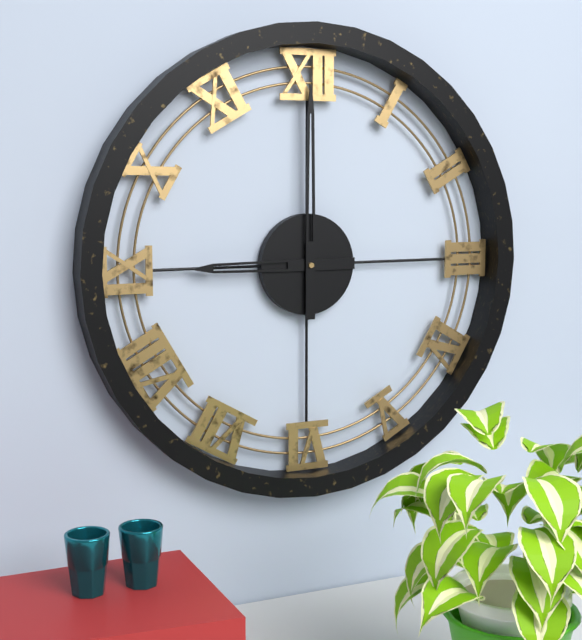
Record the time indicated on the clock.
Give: 9:00
